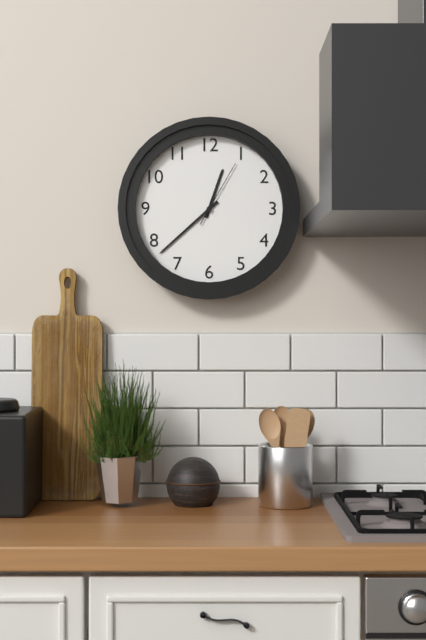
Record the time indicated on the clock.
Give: 12:38:05
